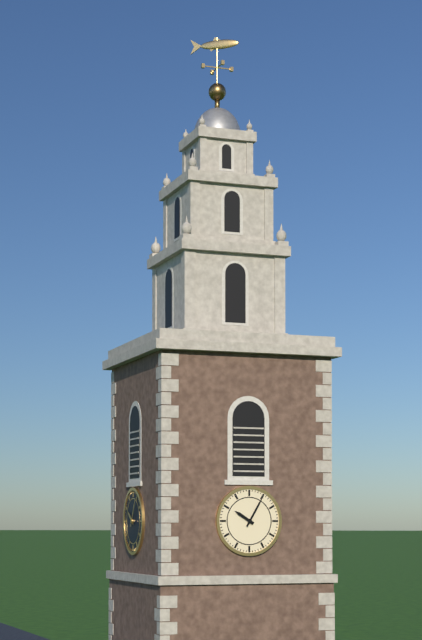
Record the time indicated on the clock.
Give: 10:05
